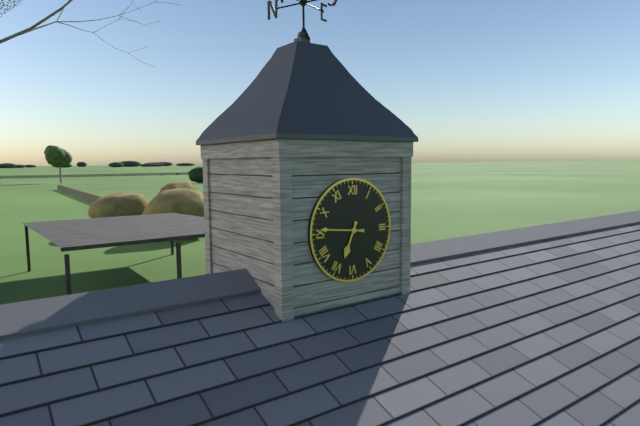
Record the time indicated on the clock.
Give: 6:46
